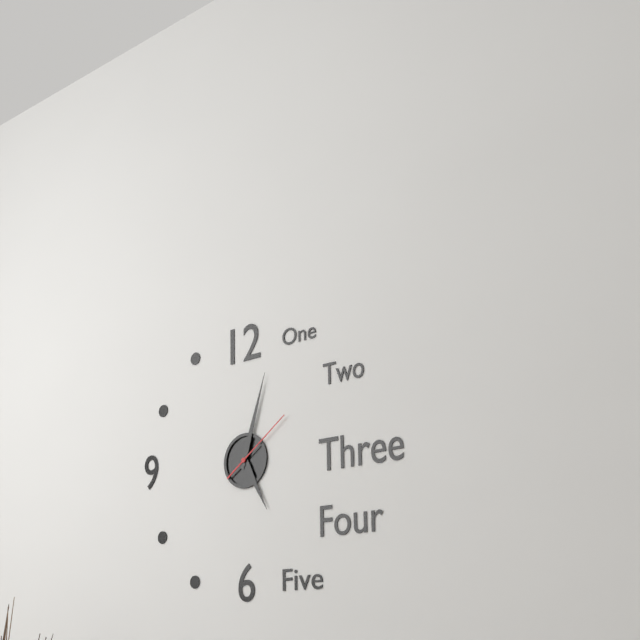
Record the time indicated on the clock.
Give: 5:03:09
